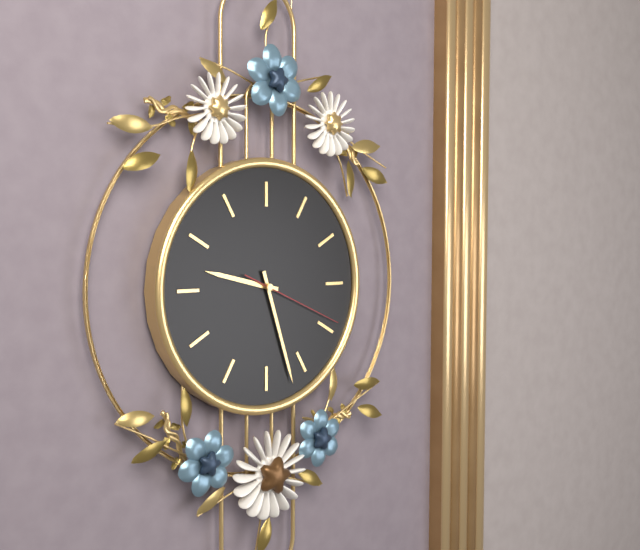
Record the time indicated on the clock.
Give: 9:27:19
